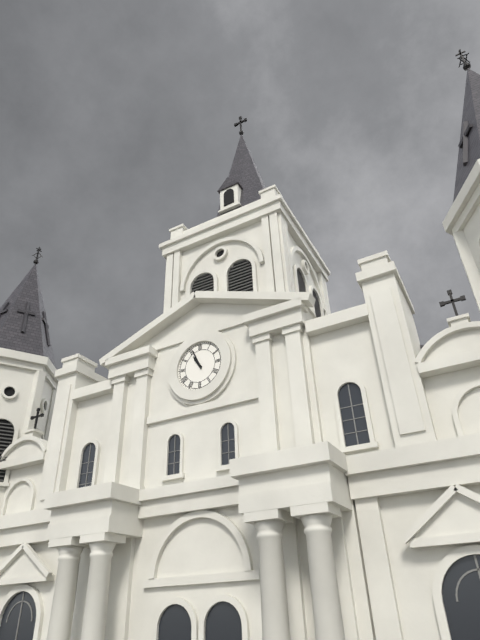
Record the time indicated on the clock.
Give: 10:56
